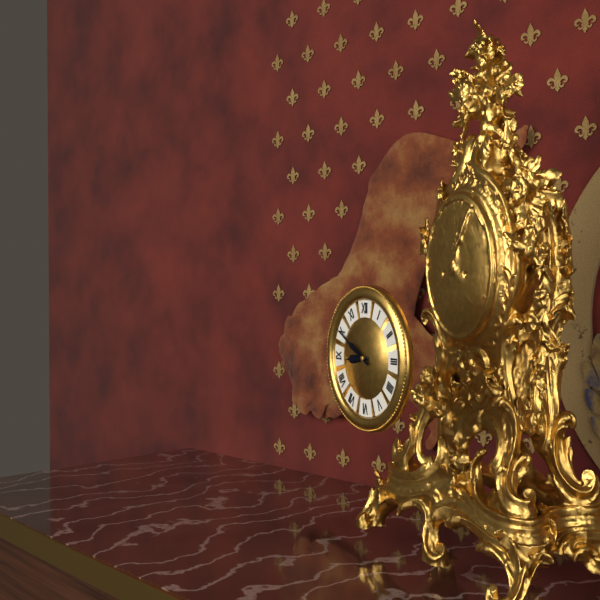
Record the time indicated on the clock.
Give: 8:50
